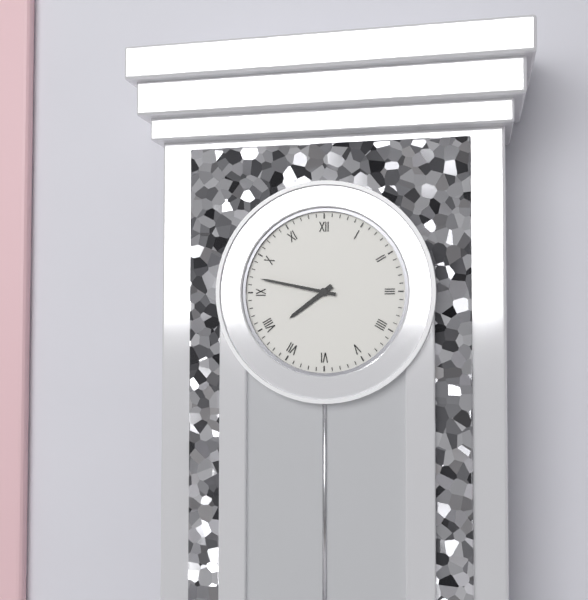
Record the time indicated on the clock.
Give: 7:47
